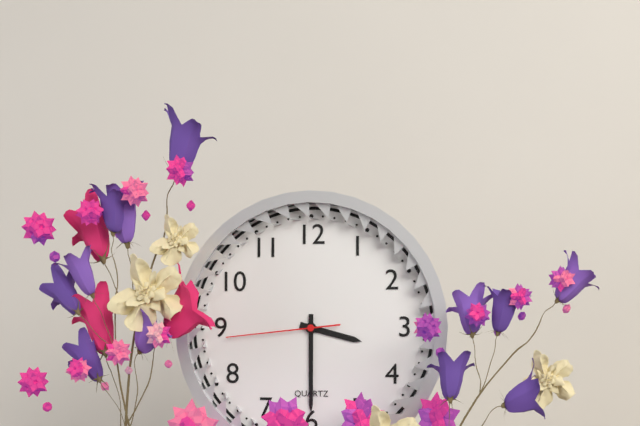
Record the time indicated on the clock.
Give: 3:30:44
